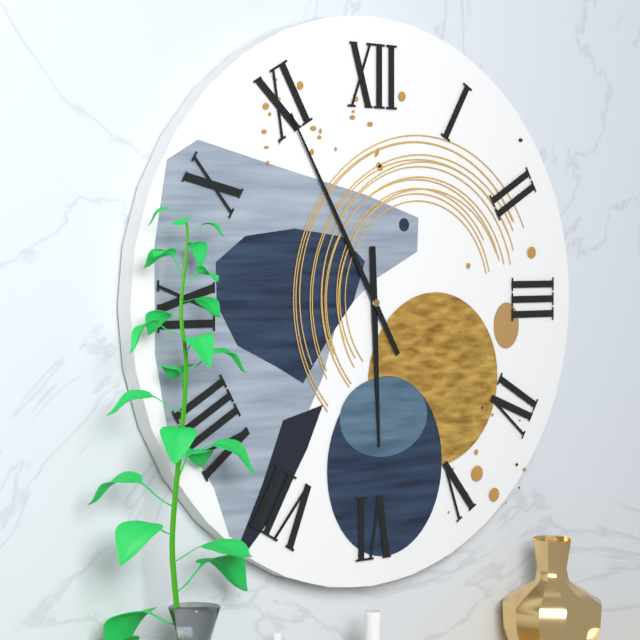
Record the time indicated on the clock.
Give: 5:55
